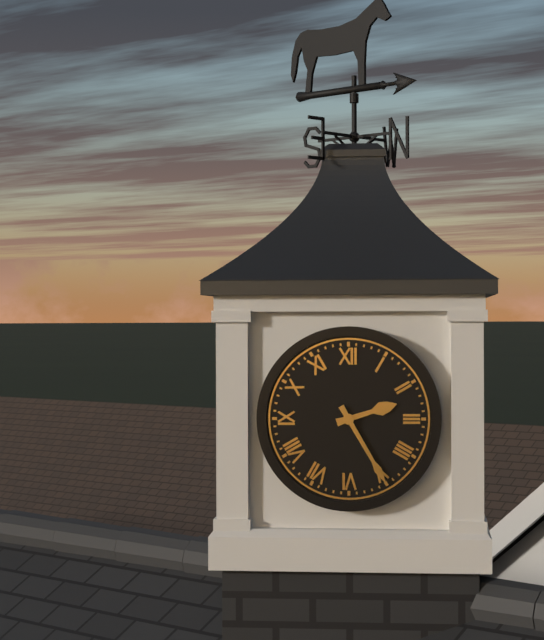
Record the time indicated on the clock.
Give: 2:25
